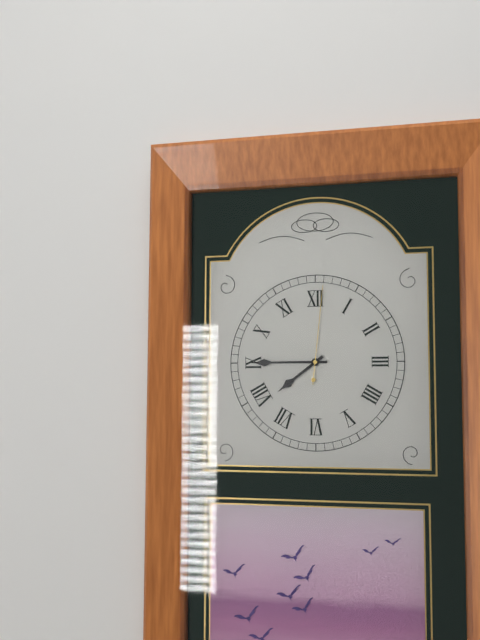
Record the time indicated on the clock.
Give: 7:45:01
